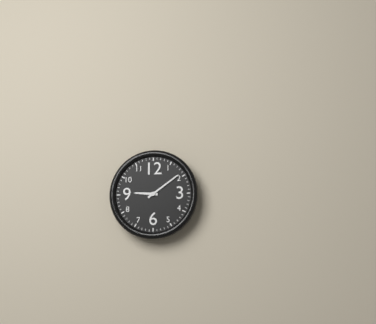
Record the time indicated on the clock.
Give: 9:09
